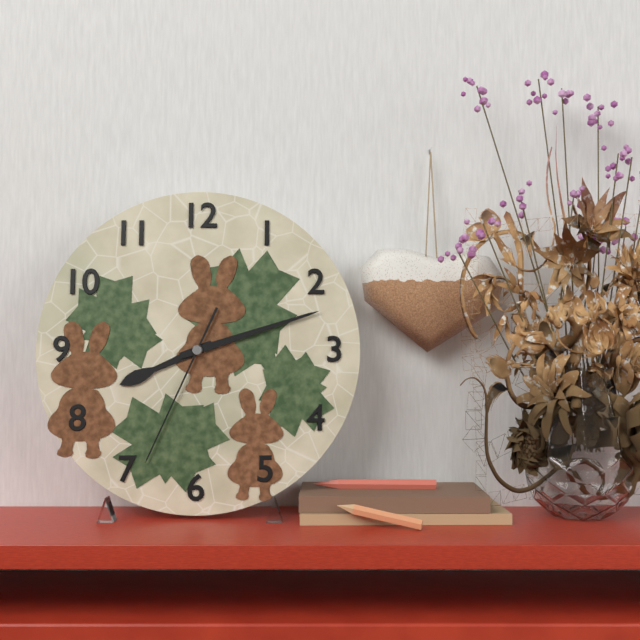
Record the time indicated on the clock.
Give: 8:12:34
